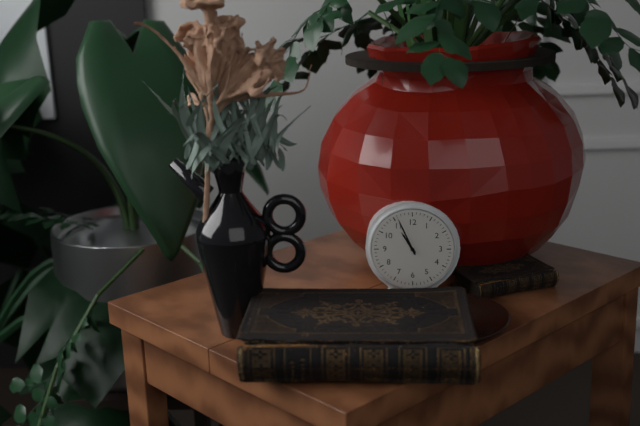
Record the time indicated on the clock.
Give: 10:56
